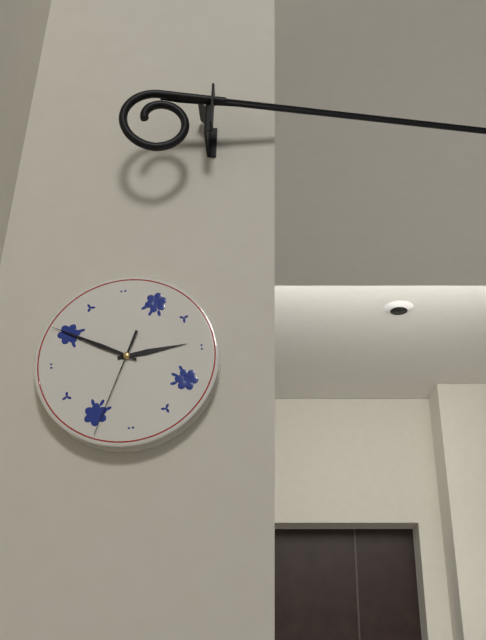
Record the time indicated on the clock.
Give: 2:50:34
